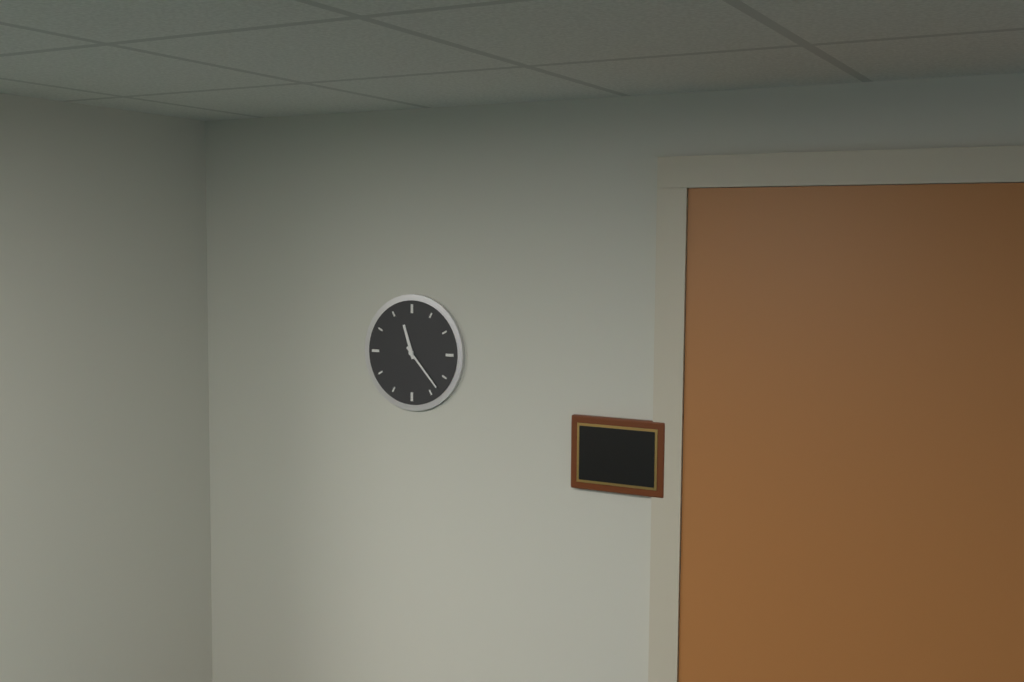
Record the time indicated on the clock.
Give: 11:23
